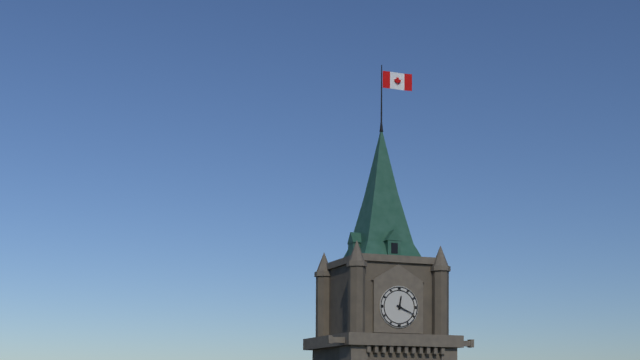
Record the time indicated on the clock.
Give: 12:19
